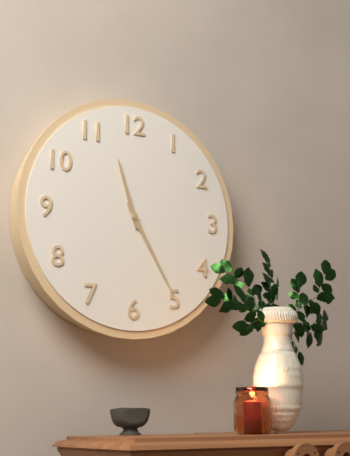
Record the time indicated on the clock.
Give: 11:25
